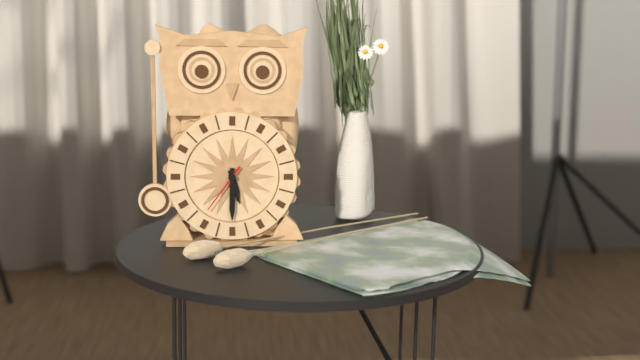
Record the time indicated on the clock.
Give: 5:30:36
